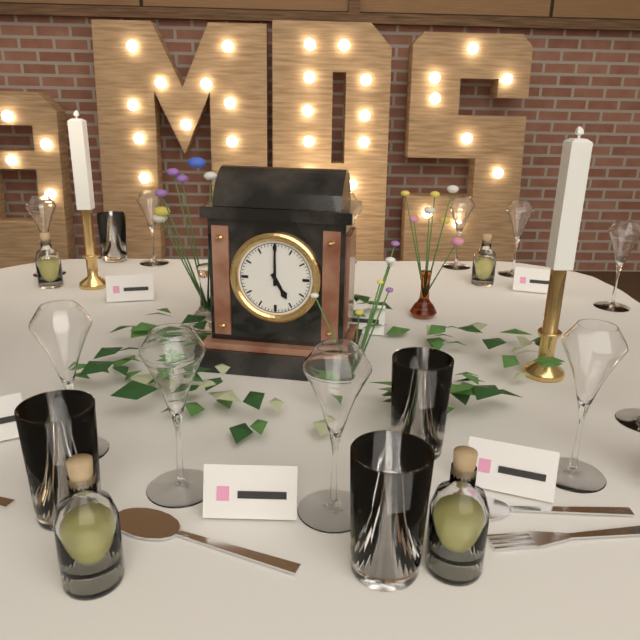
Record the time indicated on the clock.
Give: 5:00
